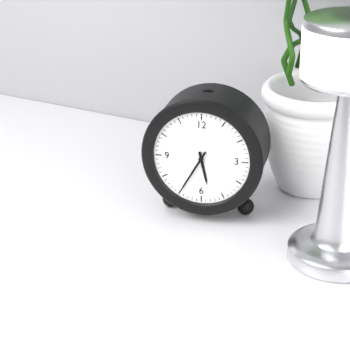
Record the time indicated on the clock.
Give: 5:35
